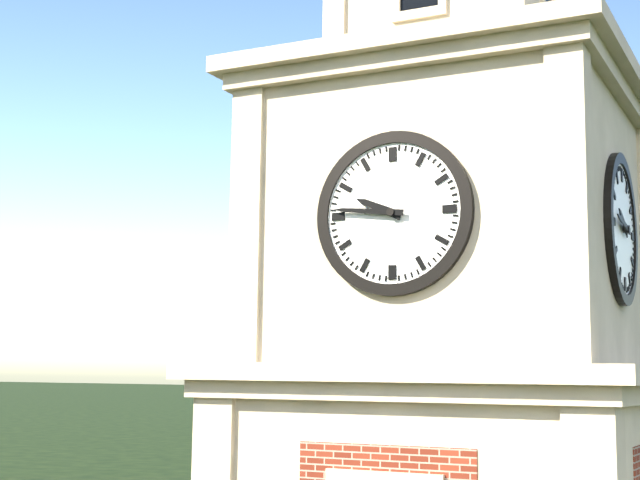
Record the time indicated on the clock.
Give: 9:46
